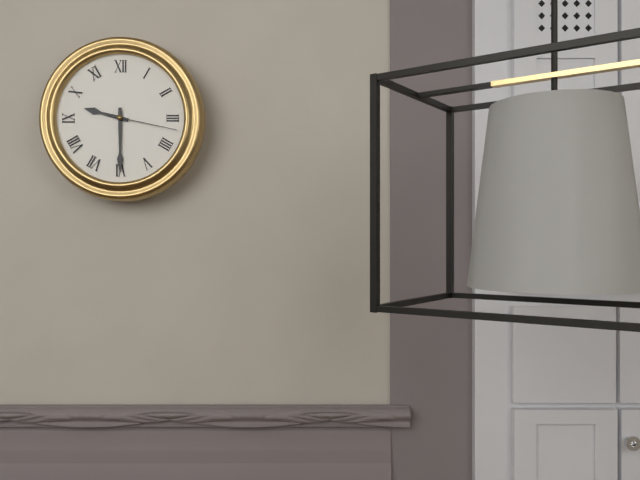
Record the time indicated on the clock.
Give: 9:30:17
